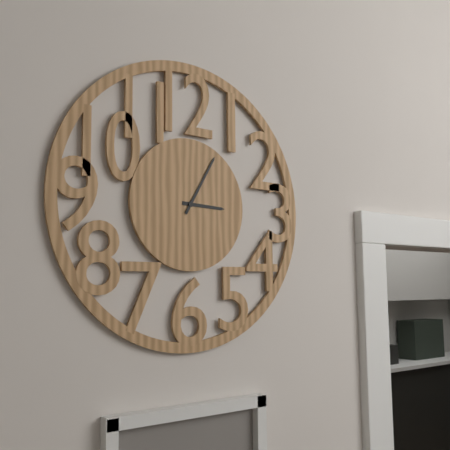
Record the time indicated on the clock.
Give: 3:05
